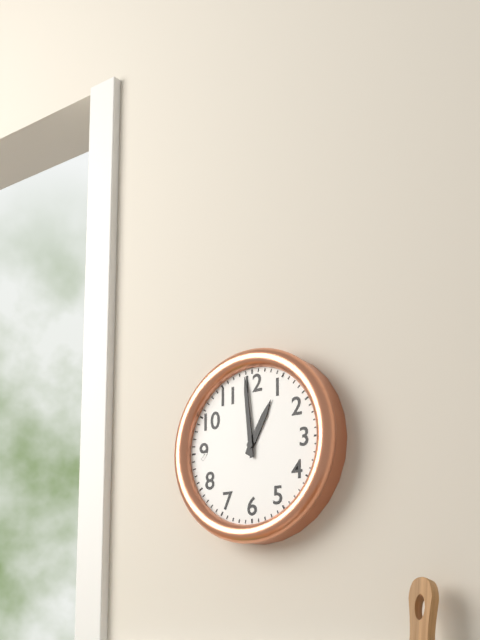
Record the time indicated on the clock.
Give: 12:59
